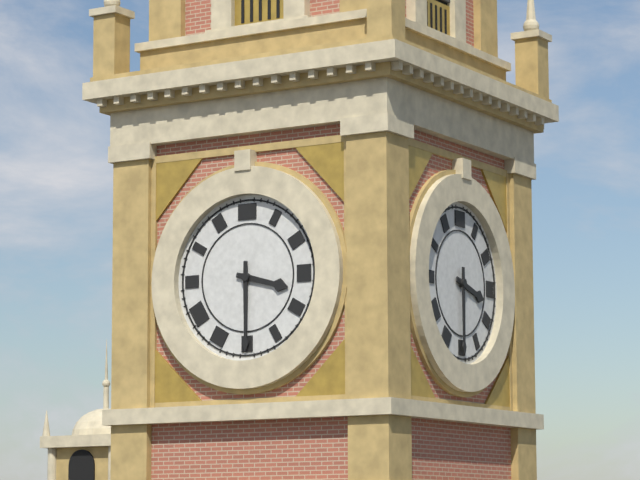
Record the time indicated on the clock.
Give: 3:30
